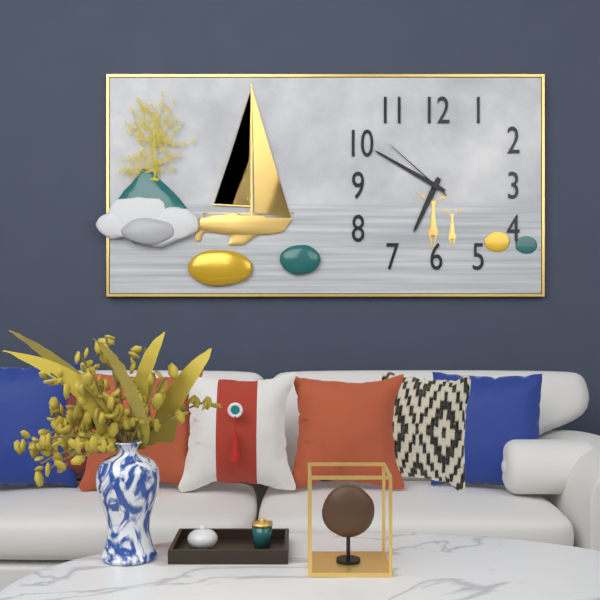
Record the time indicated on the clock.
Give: 6:50:52
